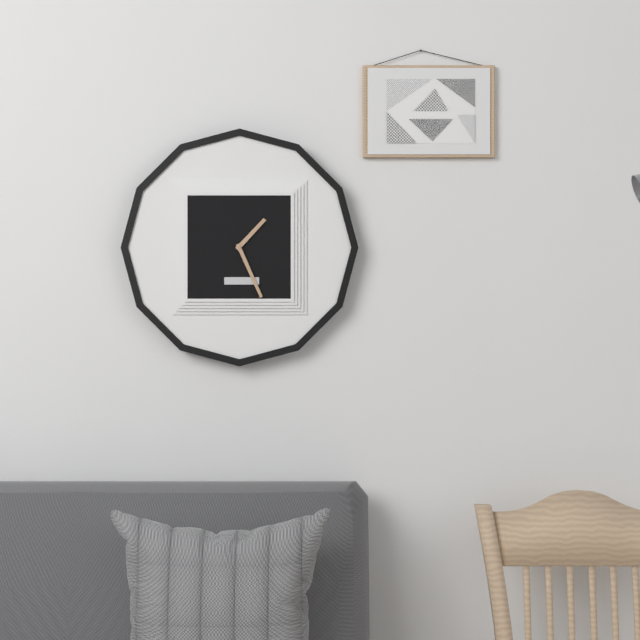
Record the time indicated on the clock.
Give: 1:26
